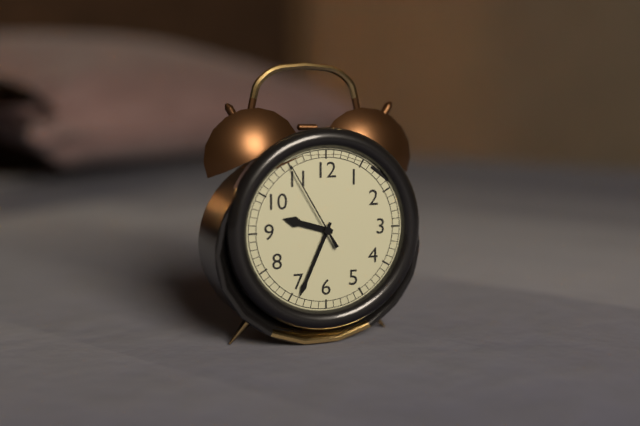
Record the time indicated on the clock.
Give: 9:34:55
